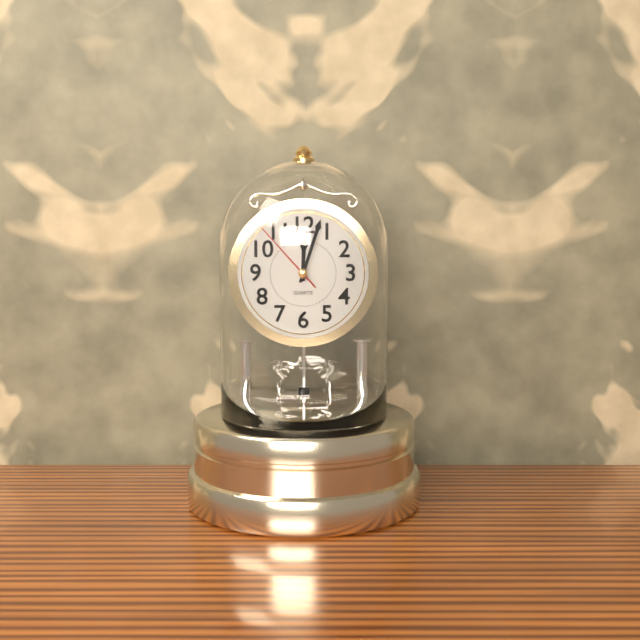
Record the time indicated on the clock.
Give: 12:03:53
